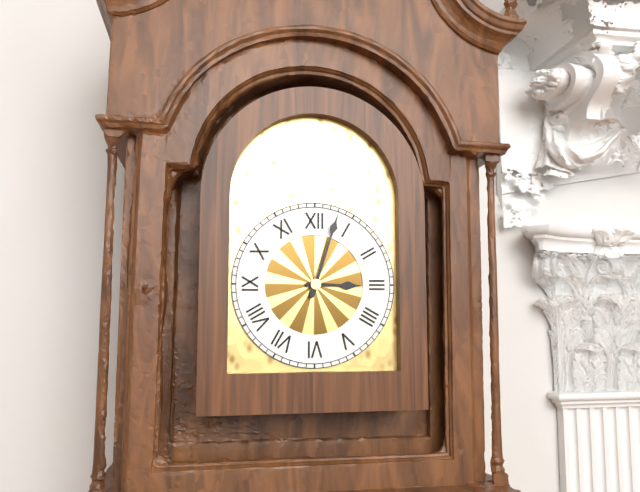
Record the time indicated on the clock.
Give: 3:03
